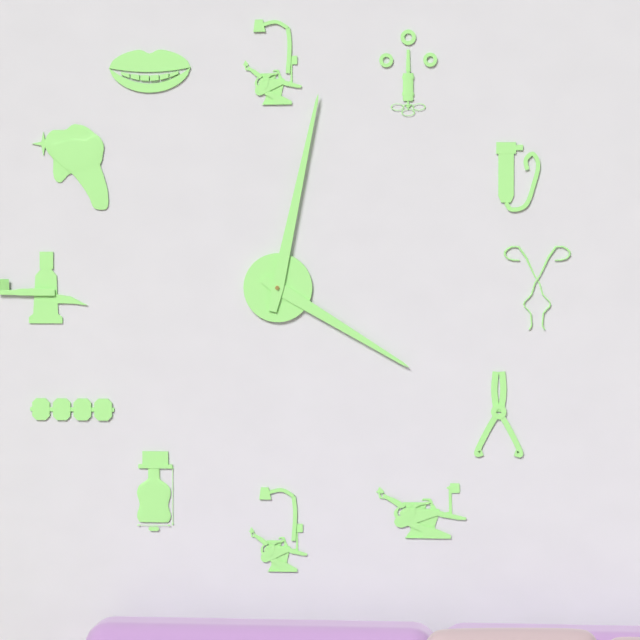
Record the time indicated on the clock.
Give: 4:02
